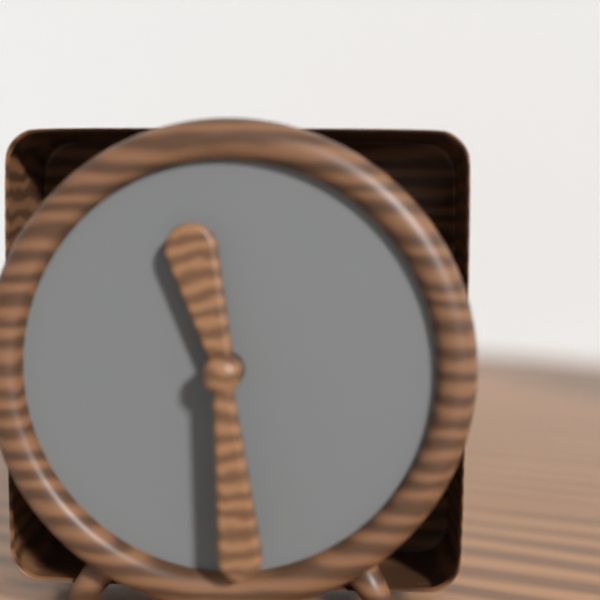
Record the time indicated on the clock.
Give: 11:29
